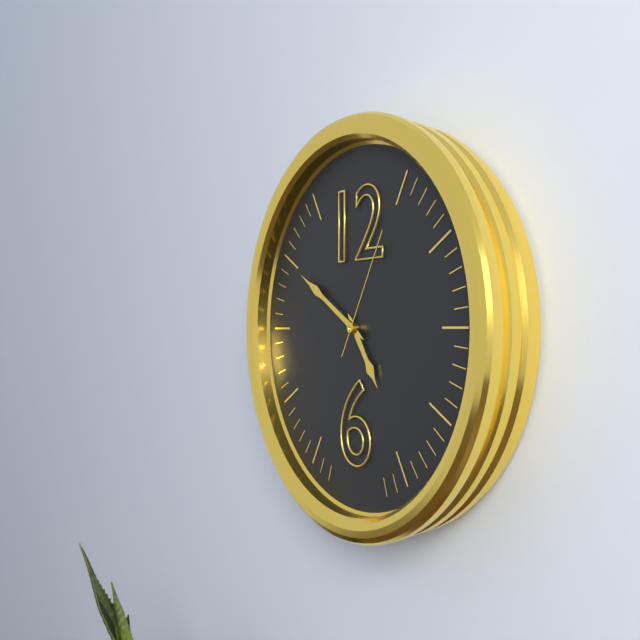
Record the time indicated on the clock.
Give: 4:50:05
